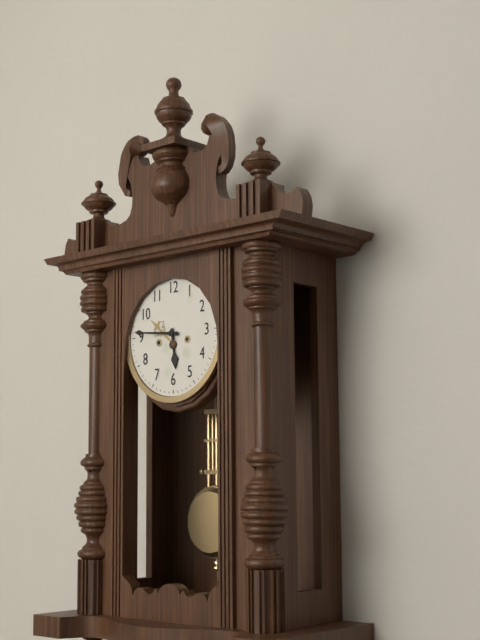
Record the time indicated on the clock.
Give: 5:46
